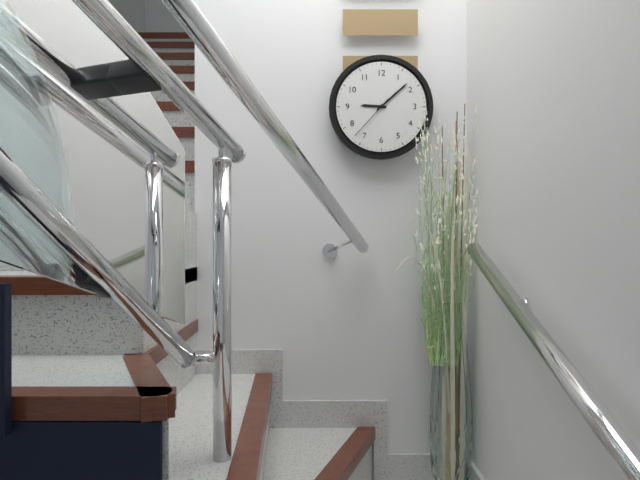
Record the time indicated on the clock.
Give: 9:08
